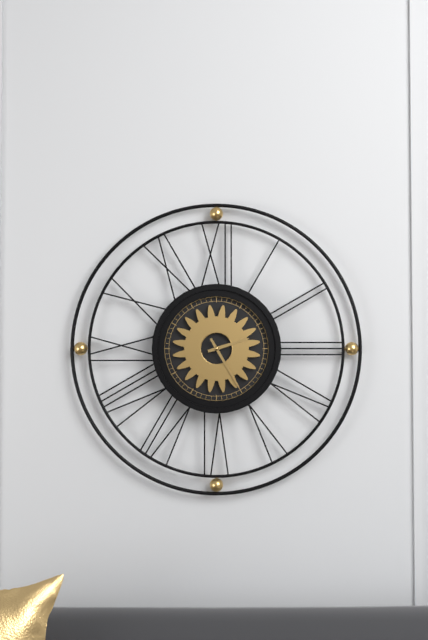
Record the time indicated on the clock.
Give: 2:25
